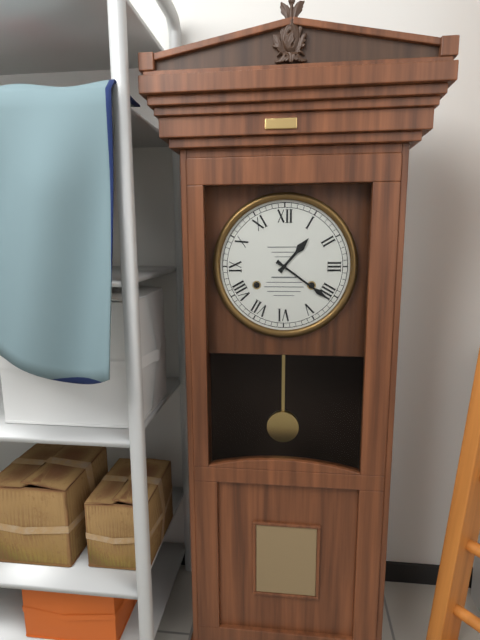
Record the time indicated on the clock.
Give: 1:21
